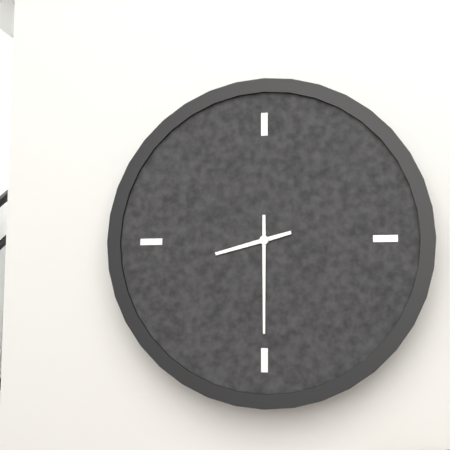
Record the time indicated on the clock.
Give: 8:30
